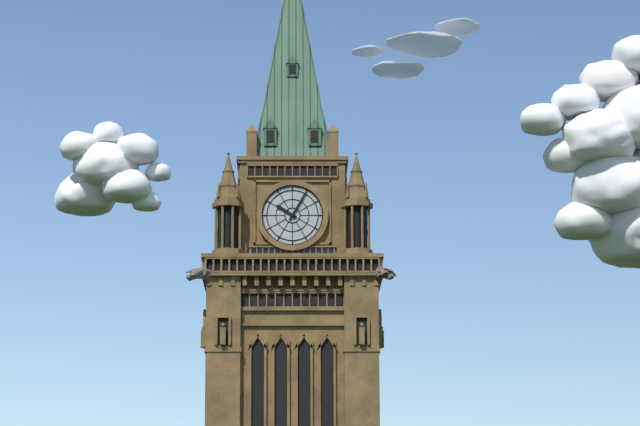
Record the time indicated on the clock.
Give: 10:05
